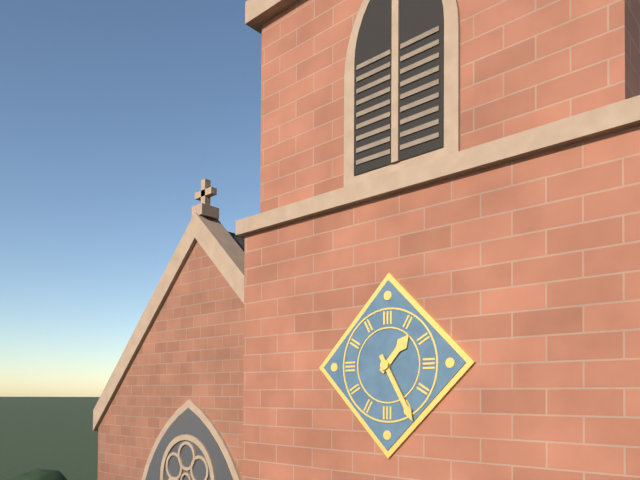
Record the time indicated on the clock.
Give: 1:25
